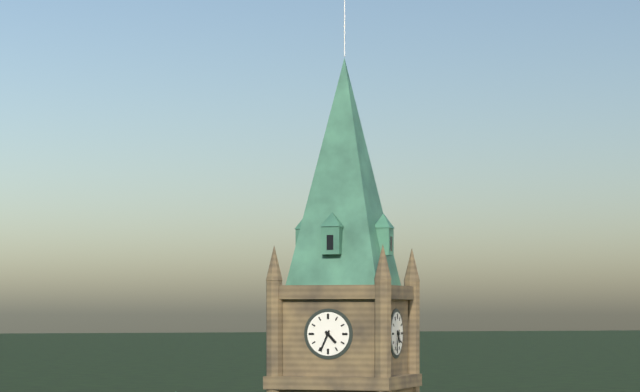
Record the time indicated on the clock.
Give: 4:34
